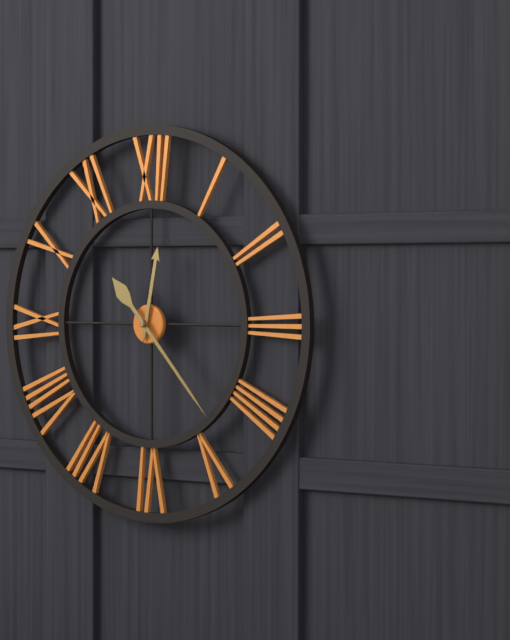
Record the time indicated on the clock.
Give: 12:23
